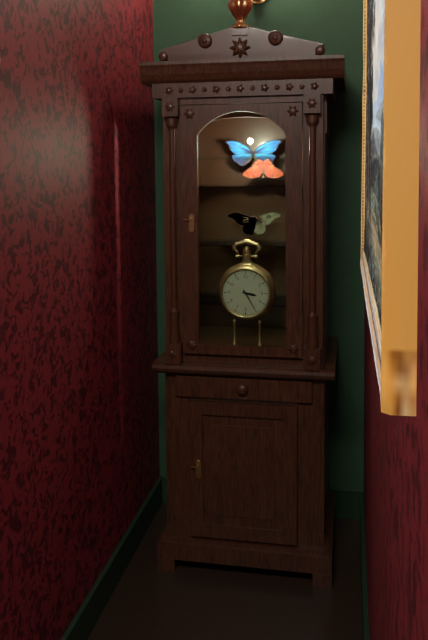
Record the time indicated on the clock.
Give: 3:25
